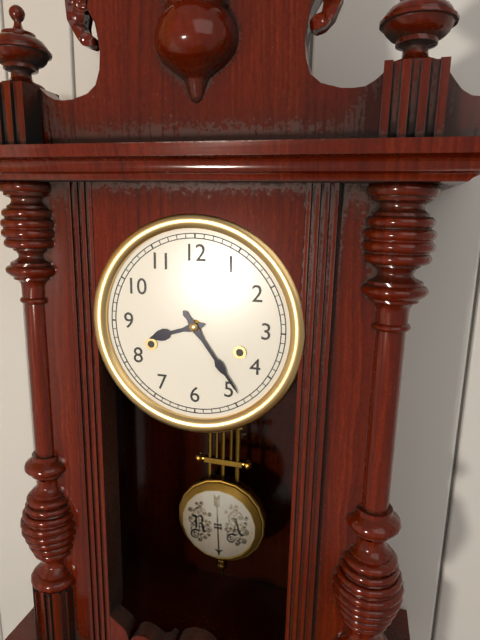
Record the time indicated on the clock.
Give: 8:24
